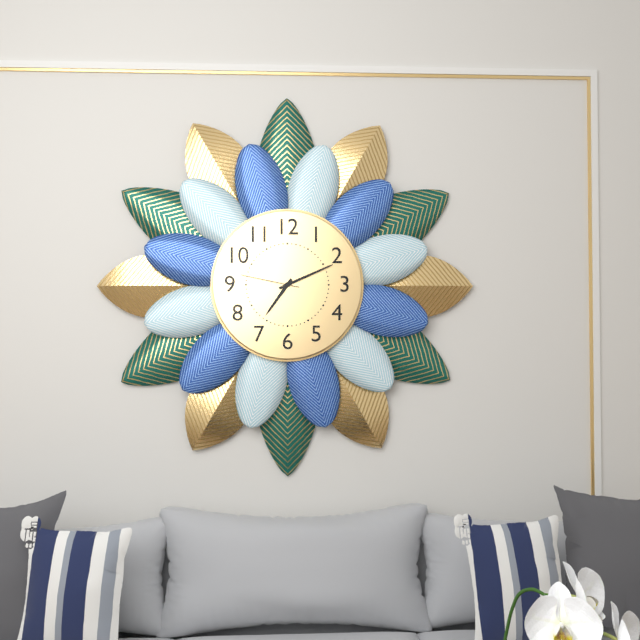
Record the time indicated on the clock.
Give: 7:11:47
